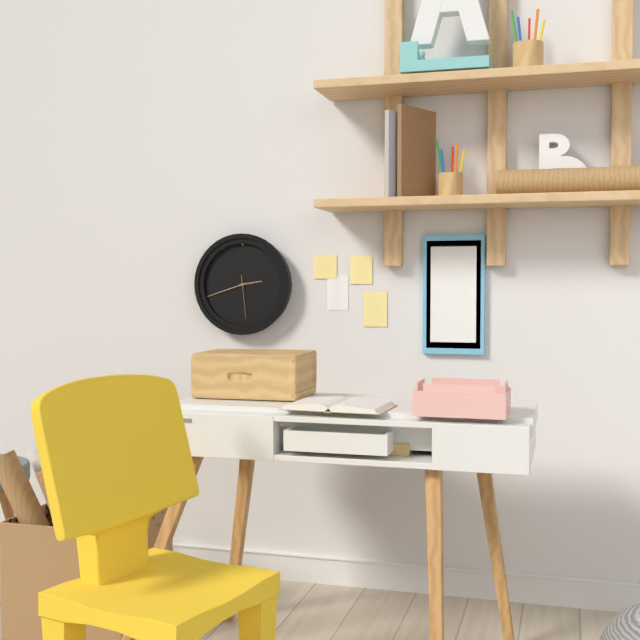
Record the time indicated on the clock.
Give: 2:42
